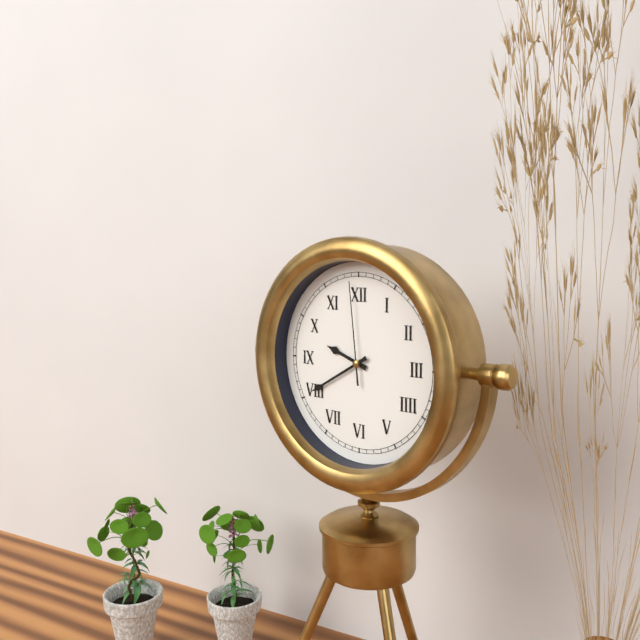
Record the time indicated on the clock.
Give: 9:40:59
